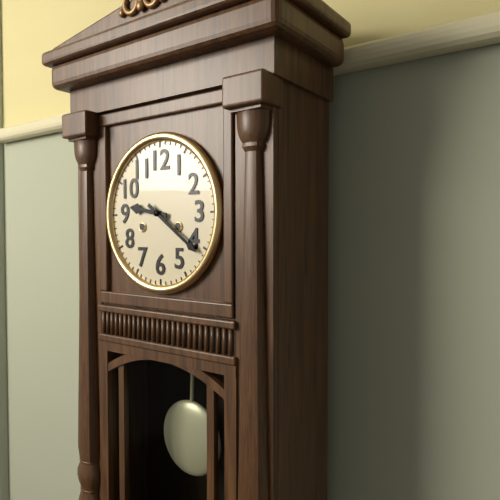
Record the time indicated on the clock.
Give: 9:21
